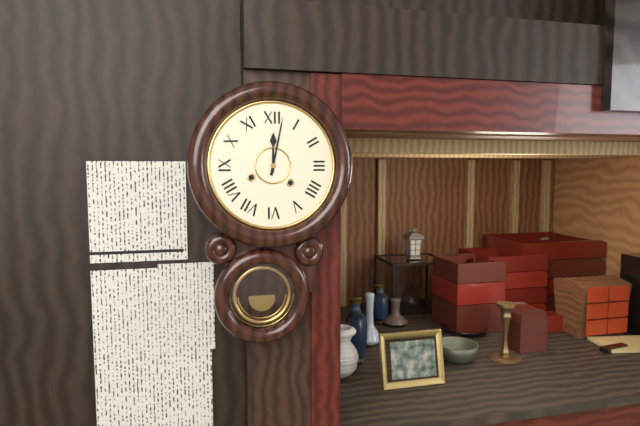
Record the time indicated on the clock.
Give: 12:02
